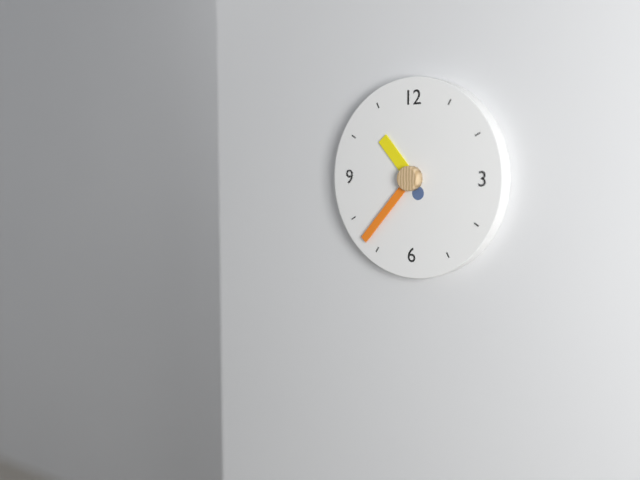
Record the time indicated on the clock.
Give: 10:37
